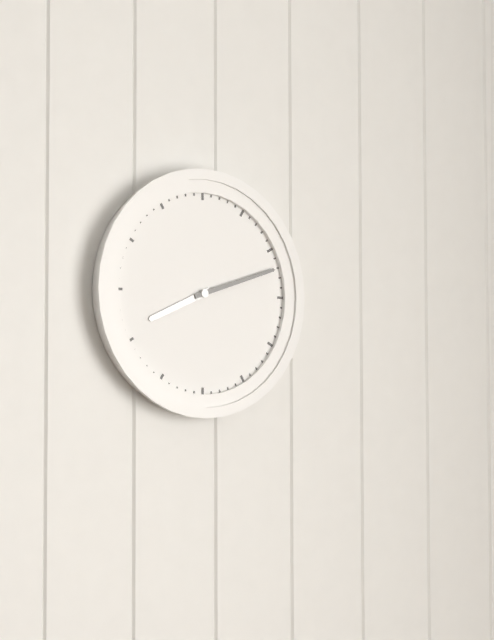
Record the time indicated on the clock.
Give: 8:12
